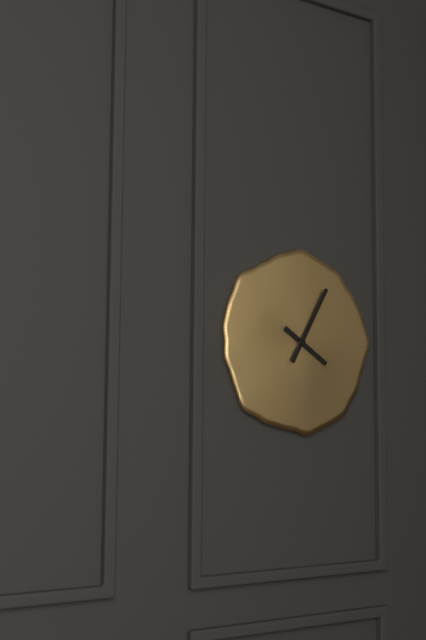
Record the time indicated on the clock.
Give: 4:05
